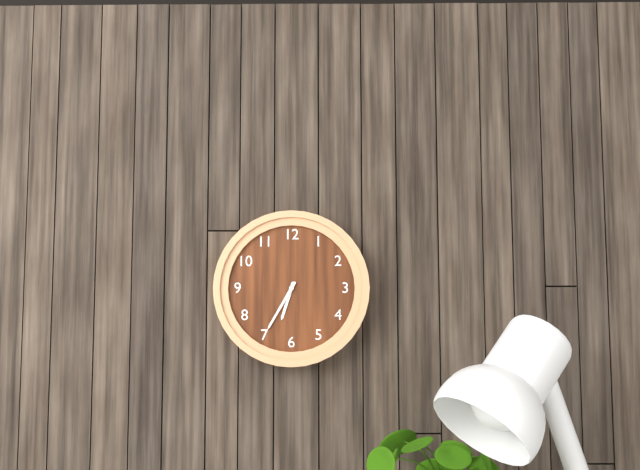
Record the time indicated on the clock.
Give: 6:35
